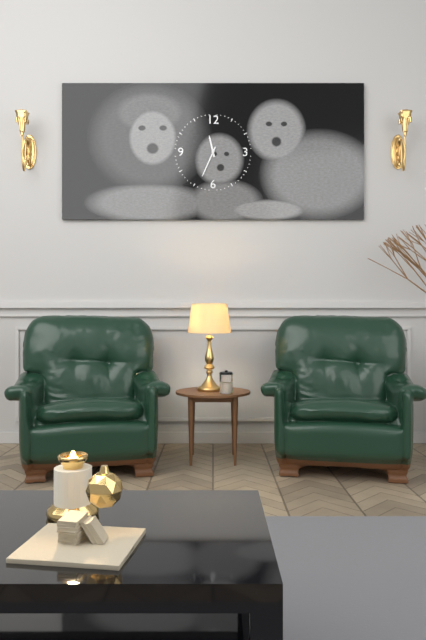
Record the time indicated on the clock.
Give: 11:34
